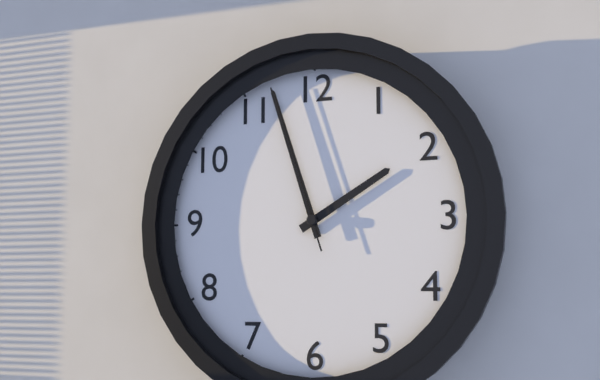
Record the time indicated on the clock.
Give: 1:57:57
